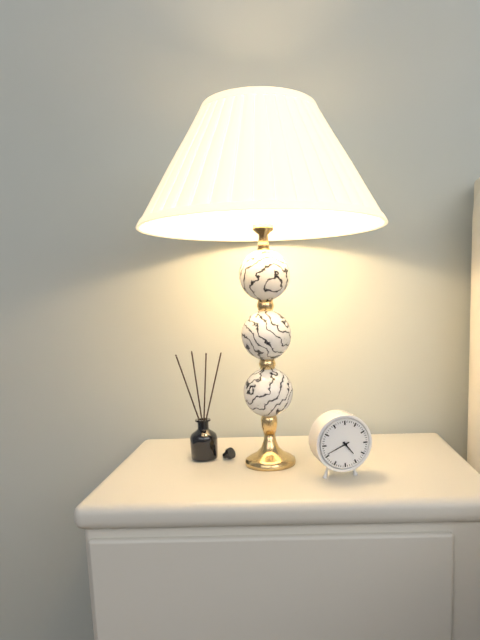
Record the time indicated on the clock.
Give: 4:41
